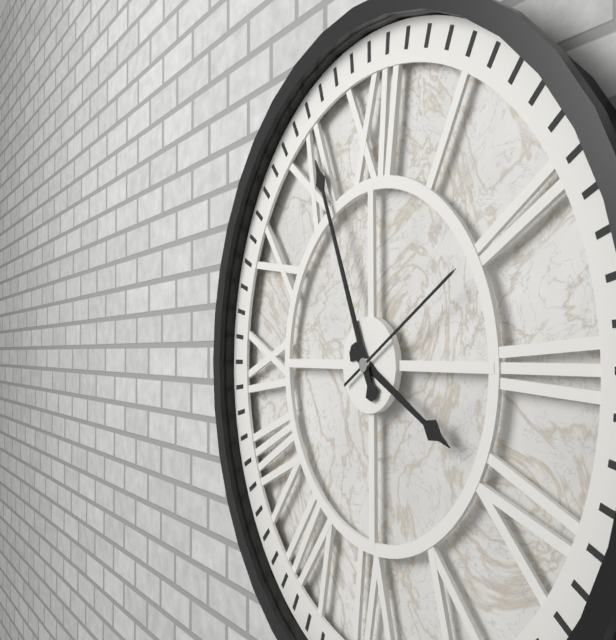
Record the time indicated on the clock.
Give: 3:56:10
